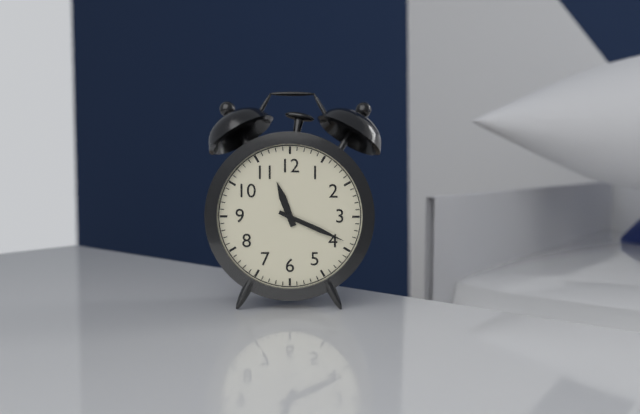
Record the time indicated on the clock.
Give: 11:19
